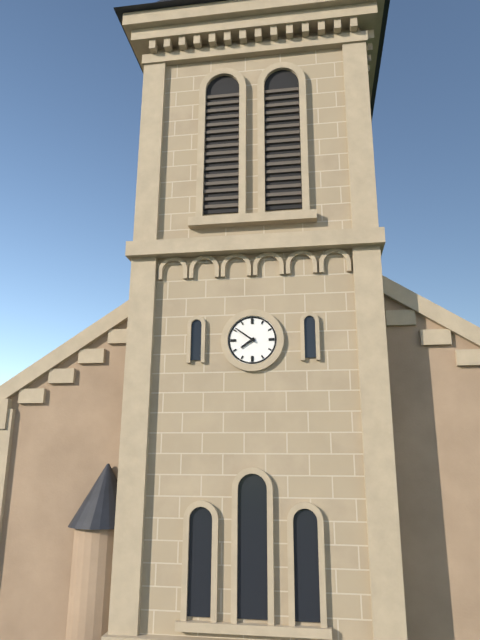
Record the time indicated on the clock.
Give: 7:51
